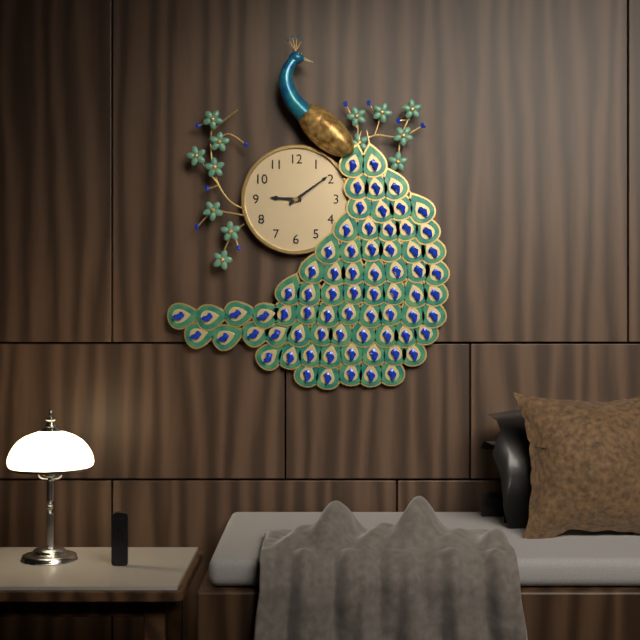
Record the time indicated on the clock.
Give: 9:09
